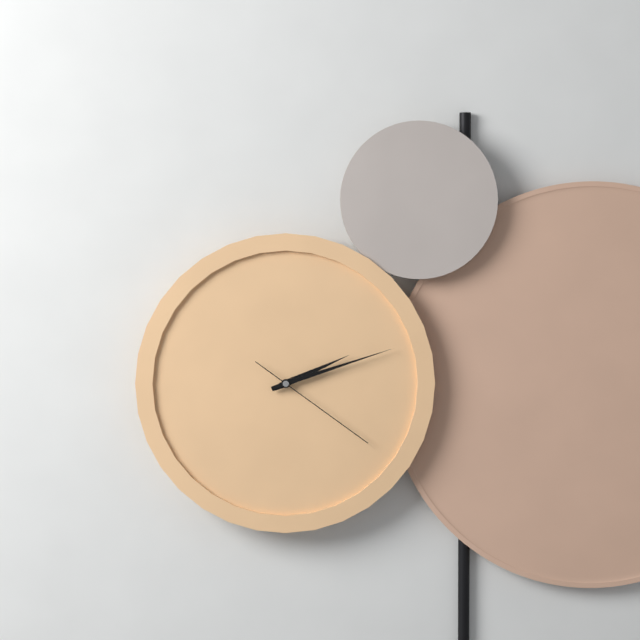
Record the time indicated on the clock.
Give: 2:12:21
